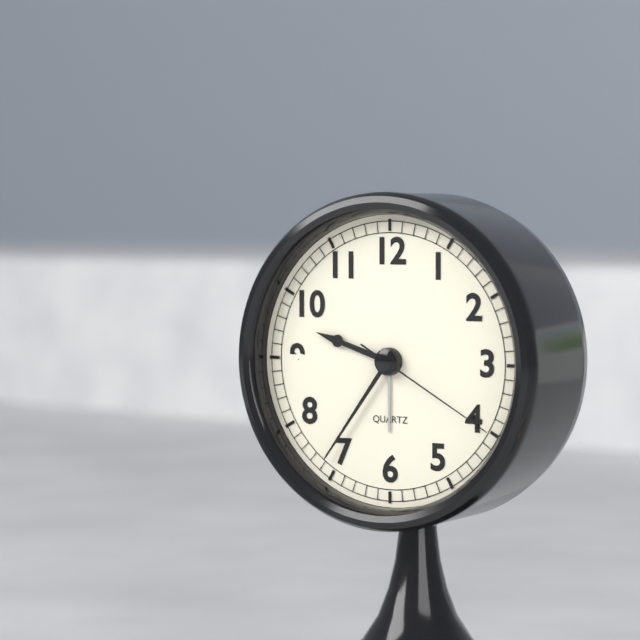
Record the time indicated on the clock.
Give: 9:36:20
